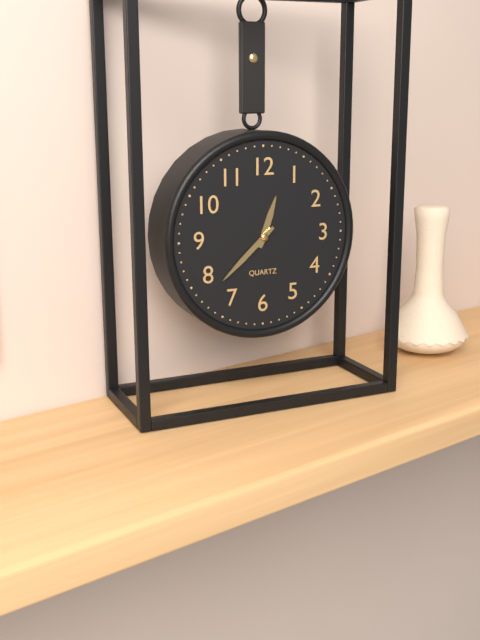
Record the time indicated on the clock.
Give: 12:38
